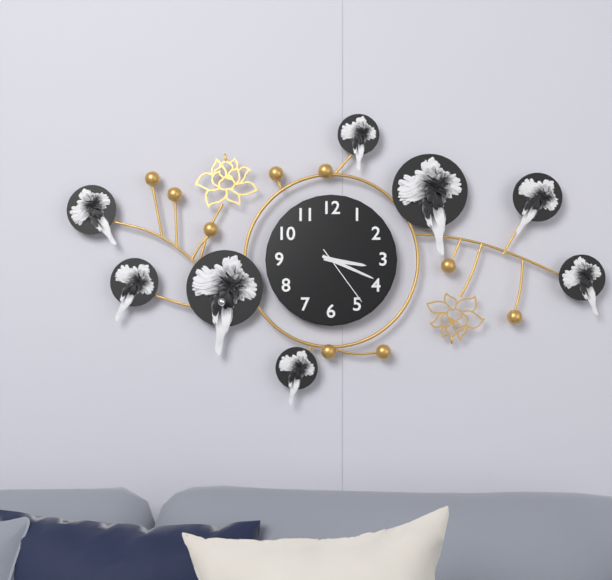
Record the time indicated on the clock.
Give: 3:19:24
